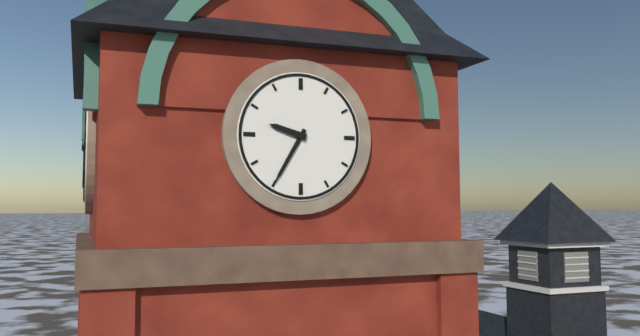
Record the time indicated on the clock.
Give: 9:35
